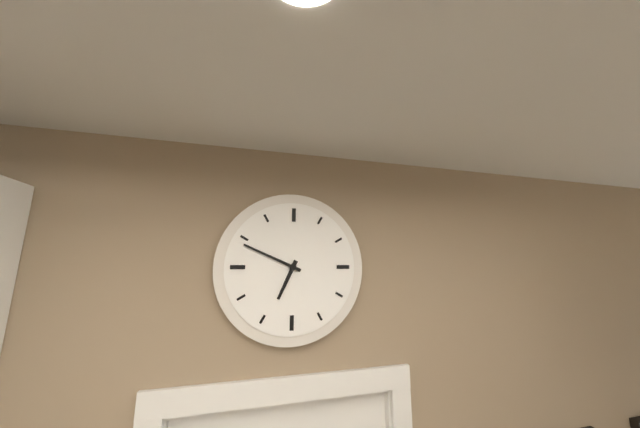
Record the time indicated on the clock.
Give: 6:49
